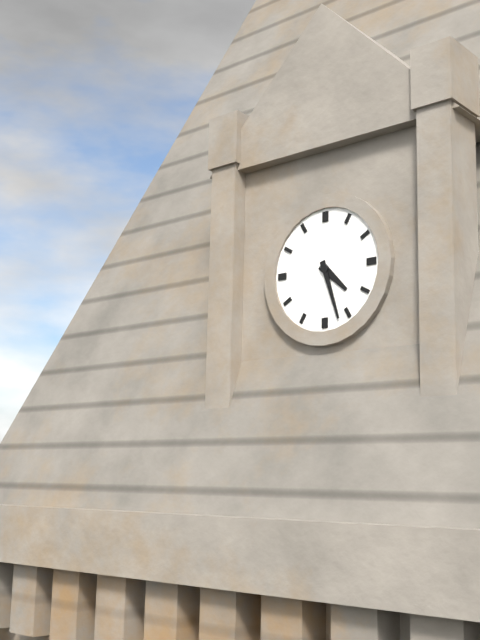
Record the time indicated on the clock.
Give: 4:27
